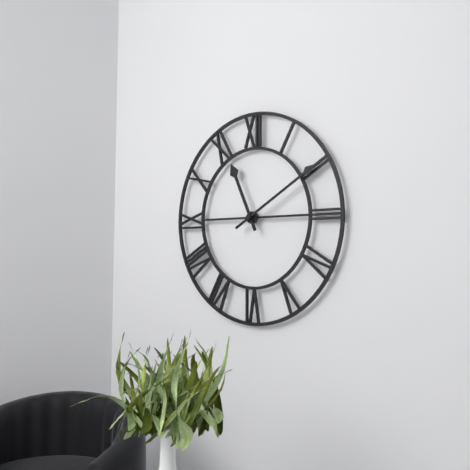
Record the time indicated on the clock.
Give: 11:10
